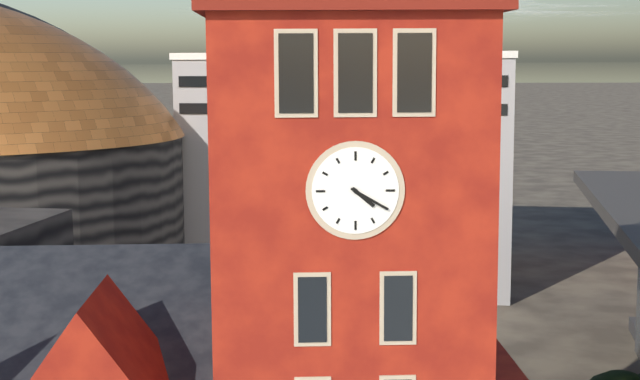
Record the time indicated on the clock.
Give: 4:20
